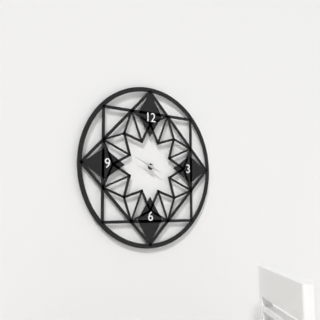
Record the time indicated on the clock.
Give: 3:49
